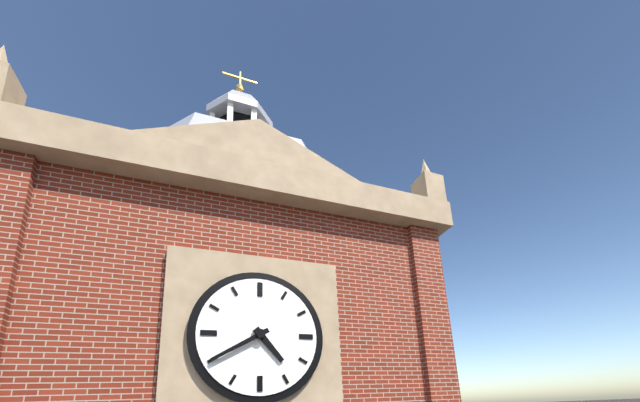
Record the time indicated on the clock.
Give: 4:40
